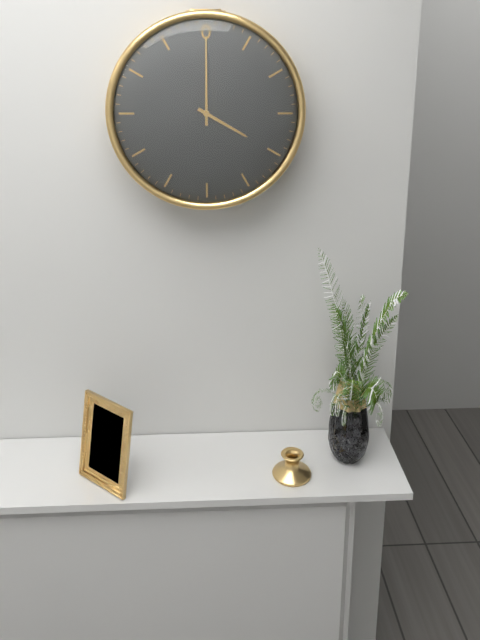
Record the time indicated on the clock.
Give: 4:00
